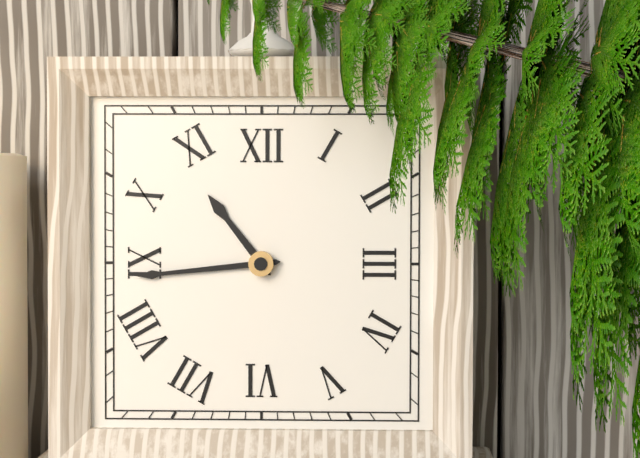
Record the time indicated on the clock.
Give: 10:44
